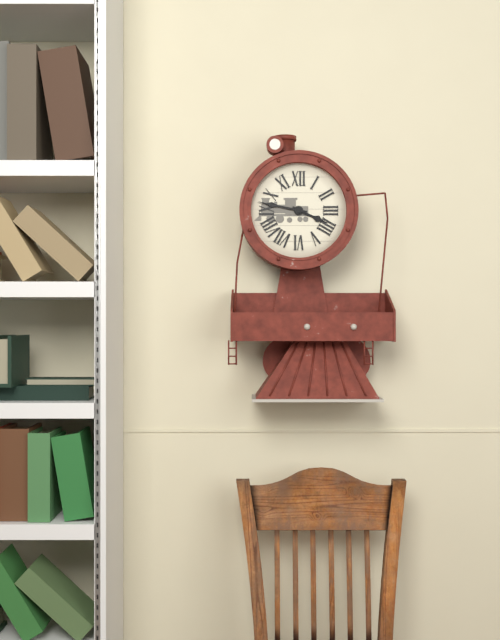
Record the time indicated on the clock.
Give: 3:47
